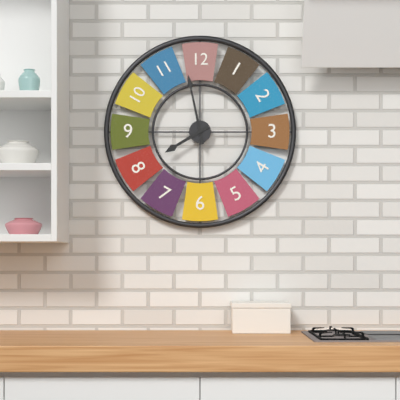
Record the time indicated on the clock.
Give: 7:58
